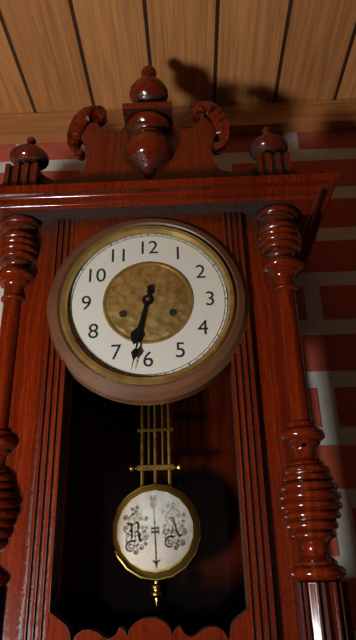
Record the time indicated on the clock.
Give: 6:32
